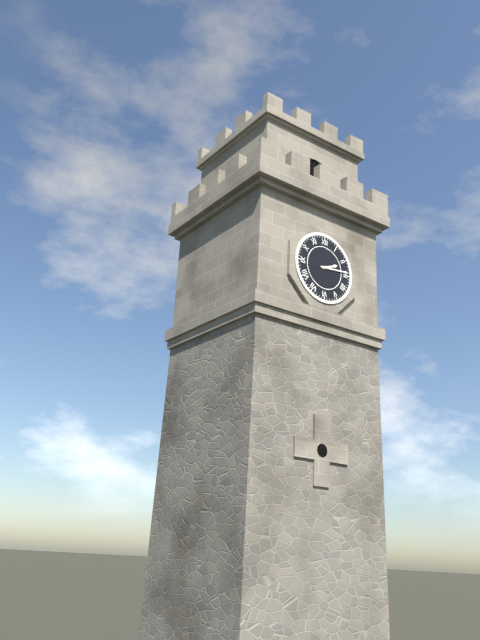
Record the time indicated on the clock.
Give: 2:14
